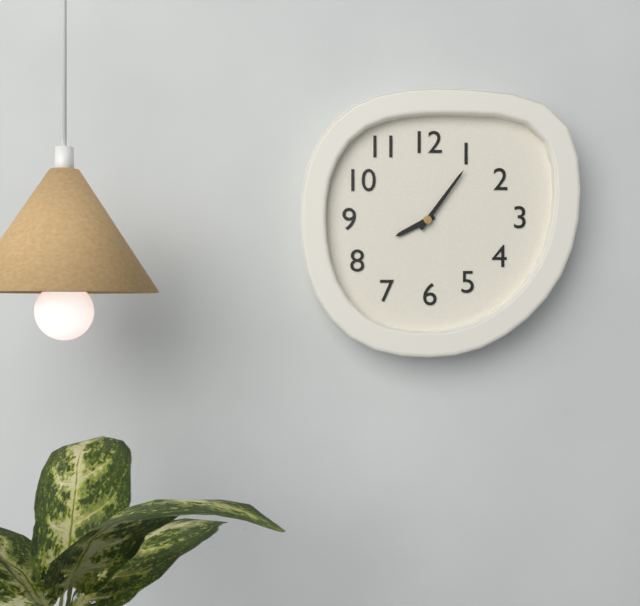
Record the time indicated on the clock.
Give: 8:06
